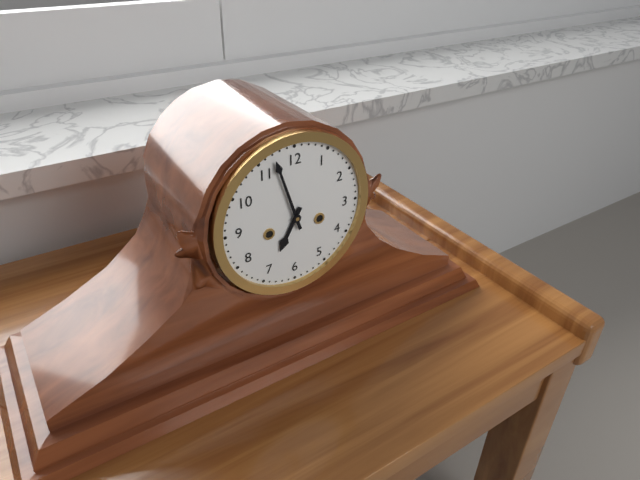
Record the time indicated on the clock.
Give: 6:57
